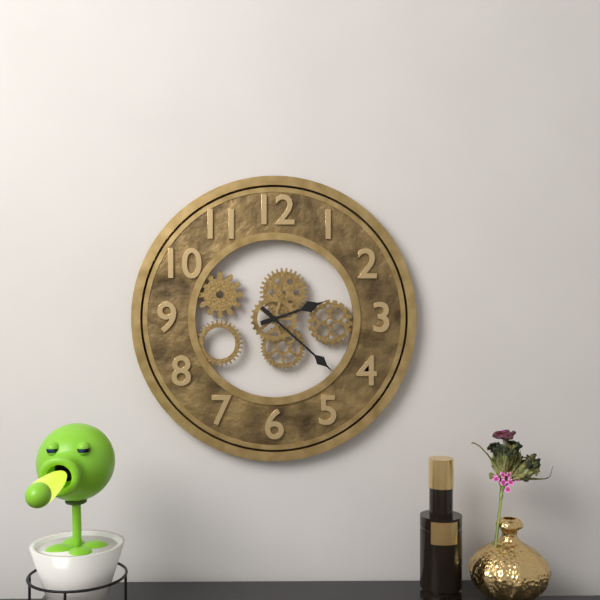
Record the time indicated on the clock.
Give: 2:22
